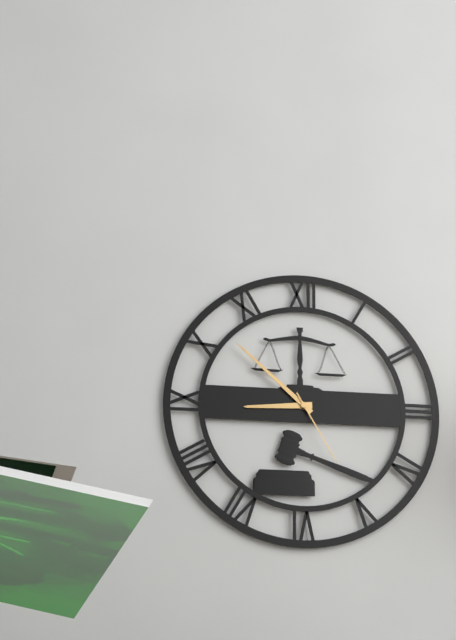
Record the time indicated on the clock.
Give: 8:52:25
